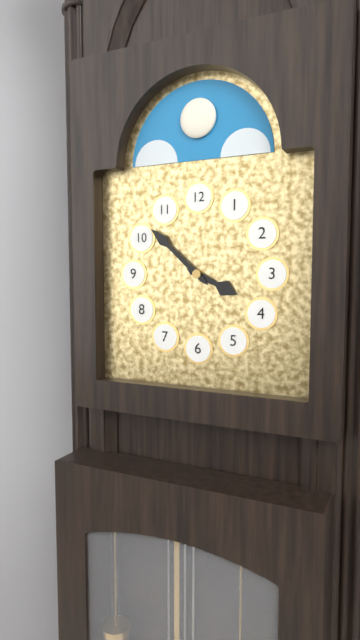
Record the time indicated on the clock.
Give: 3:52
